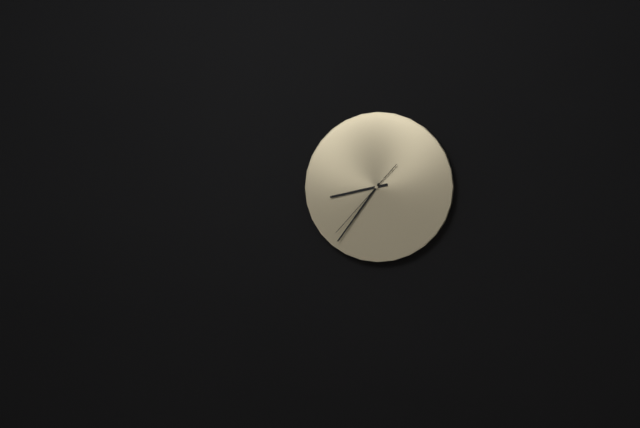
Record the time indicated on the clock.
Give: 8:36:37
